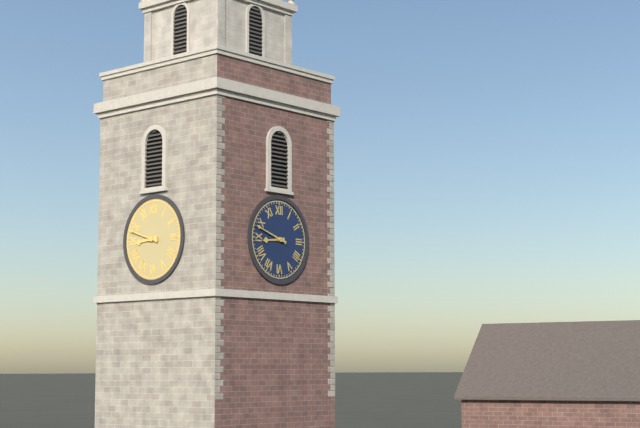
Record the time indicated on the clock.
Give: 8:48
